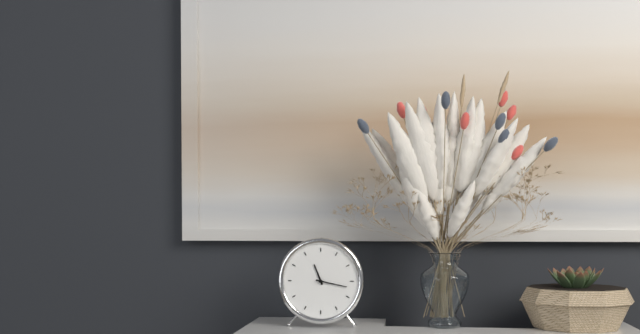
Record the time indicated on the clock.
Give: 11:17
